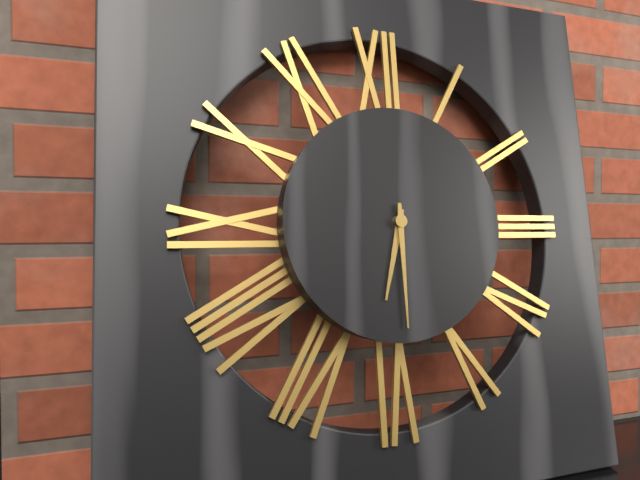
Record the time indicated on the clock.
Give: 6:30
